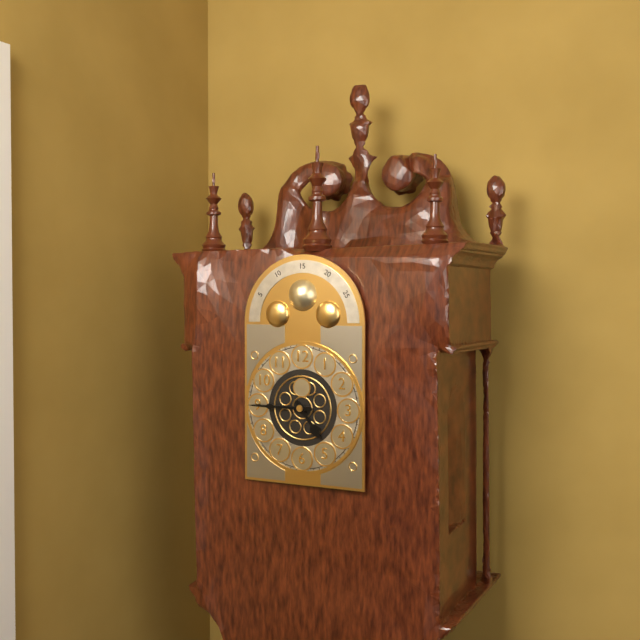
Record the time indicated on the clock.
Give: 4:45
